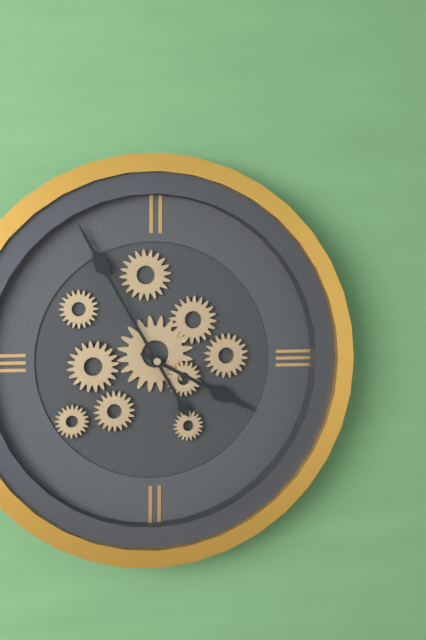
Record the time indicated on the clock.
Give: 3:55
